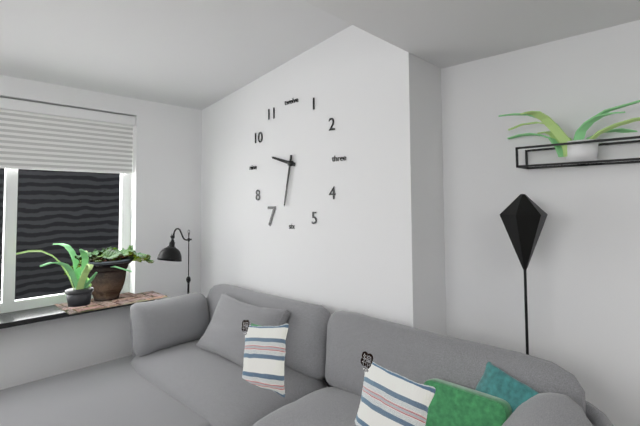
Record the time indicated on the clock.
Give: 9:32
